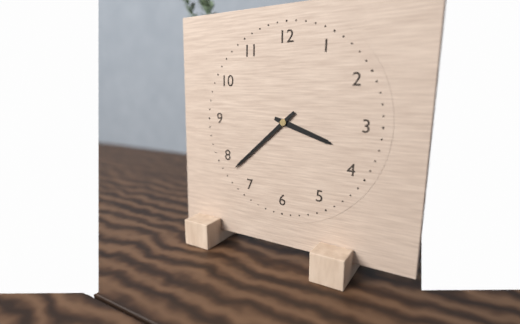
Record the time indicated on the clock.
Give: 3:38
